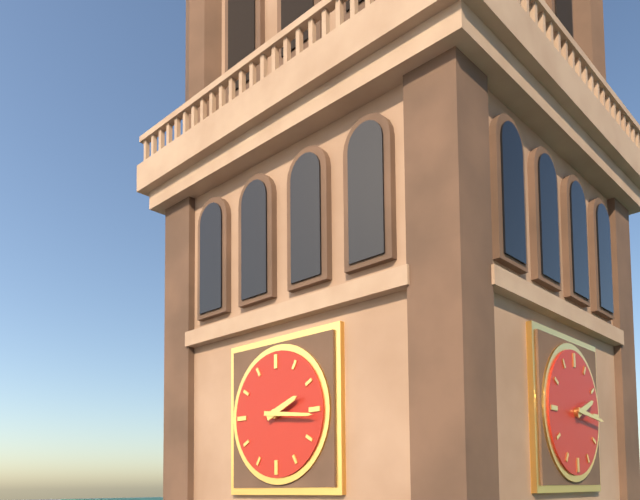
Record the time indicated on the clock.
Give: 2:16
